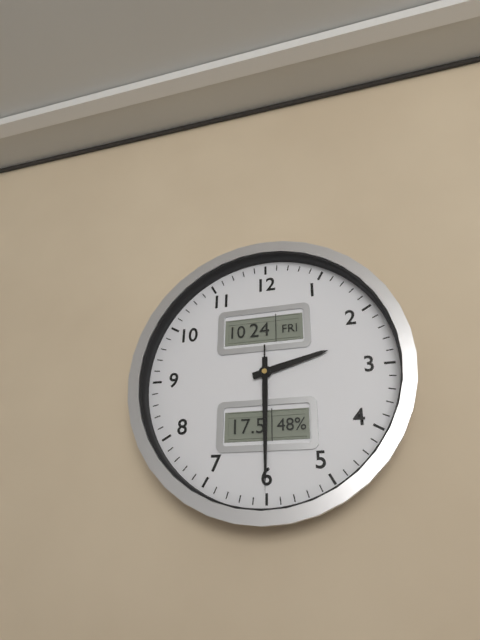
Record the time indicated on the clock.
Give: 2:30:30
